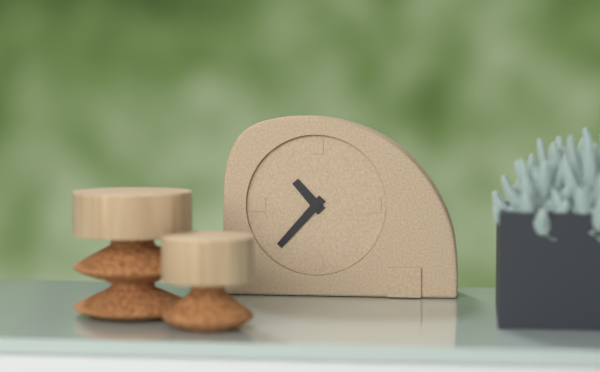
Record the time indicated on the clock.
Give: 10:37
